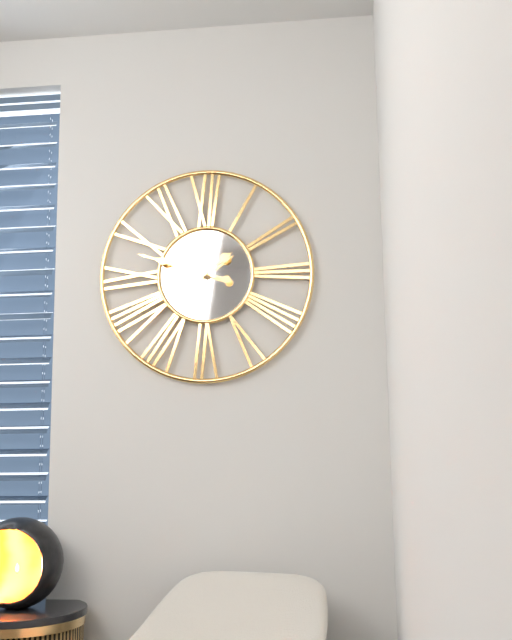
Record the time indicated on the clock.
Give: 1:48
